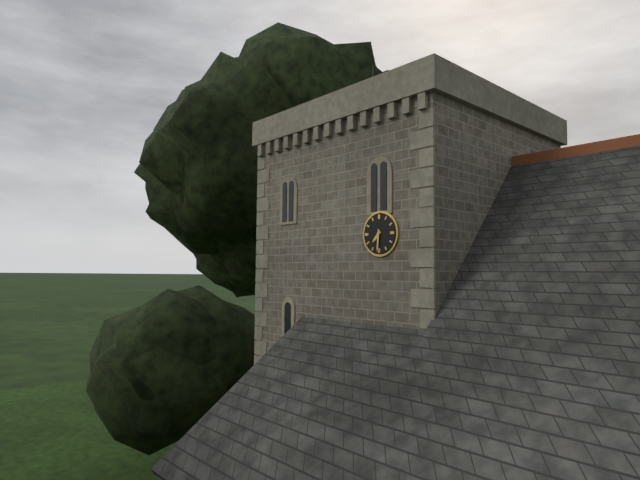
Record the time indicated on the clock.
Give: 7:31
